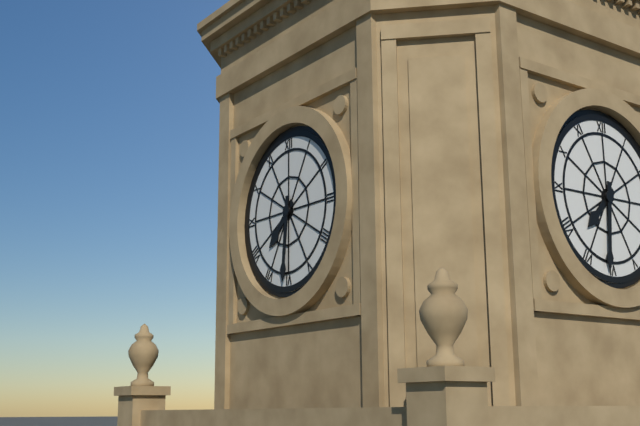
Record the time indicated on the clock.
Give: 7:31
